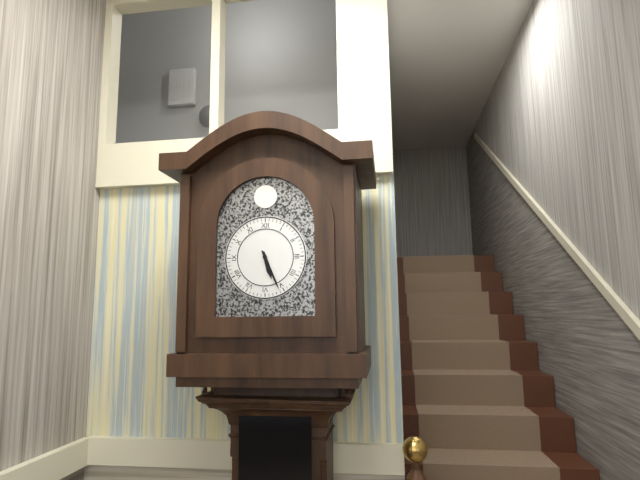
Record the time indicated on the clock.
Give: 5:26
